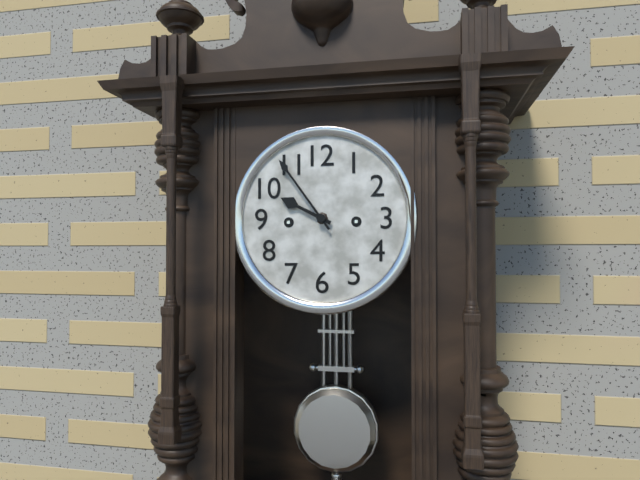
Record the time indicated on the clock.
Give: 9:54
